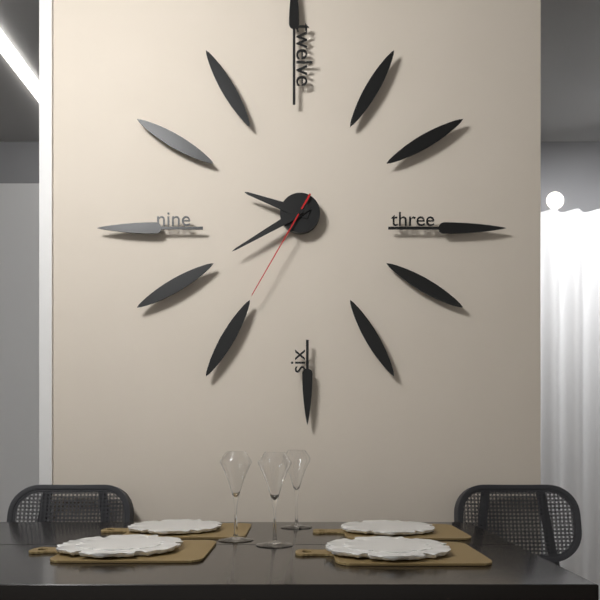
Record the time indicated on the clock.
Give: 9:40:35
